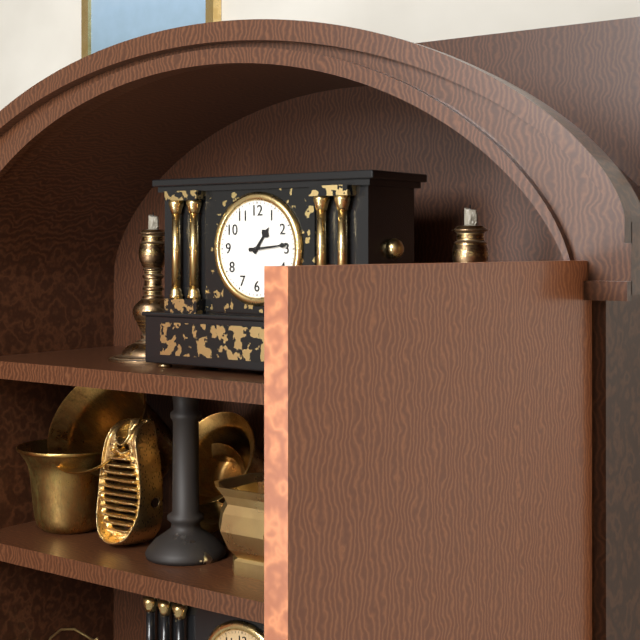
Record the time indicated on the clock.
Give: 1:14
